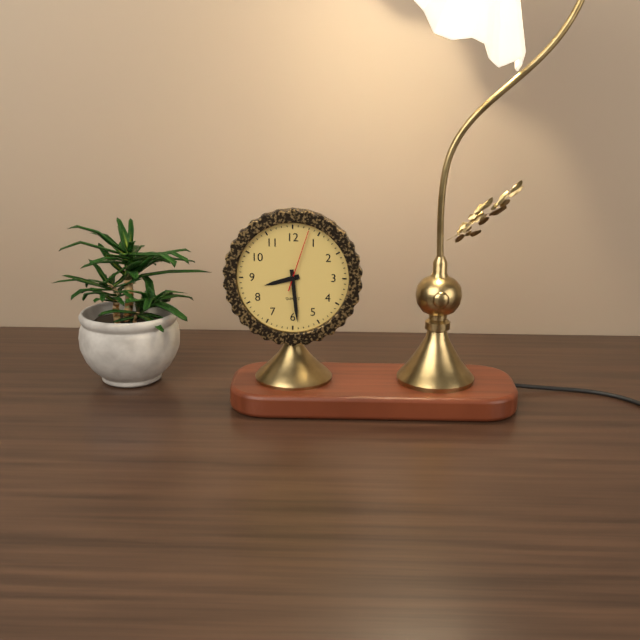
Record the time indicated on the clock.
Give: 8:29:03
